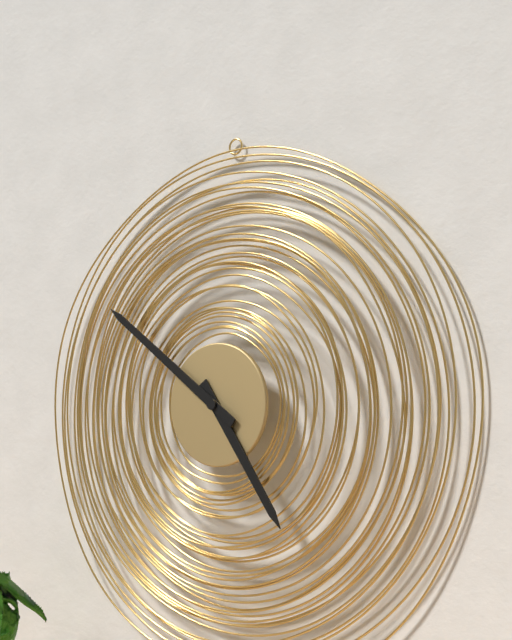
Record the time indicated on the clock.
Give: 4:51
